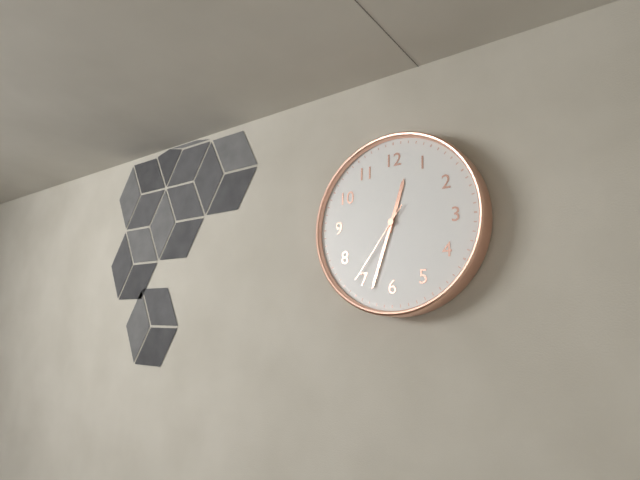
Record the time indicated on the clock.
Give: 12:33:36
